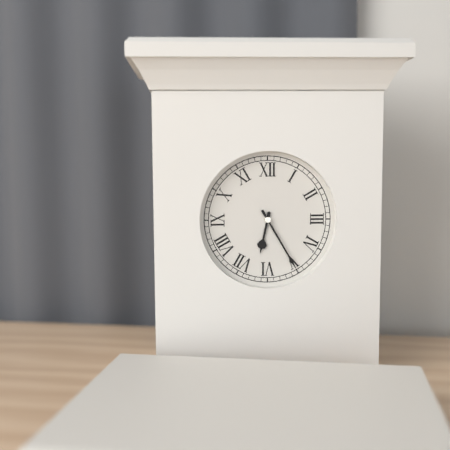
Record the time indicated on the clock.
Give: 6:25
